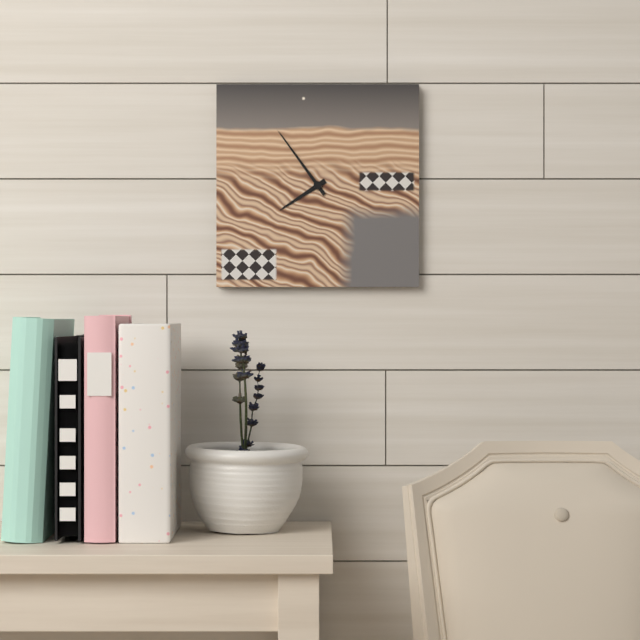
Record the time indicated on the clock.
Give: 7:54
